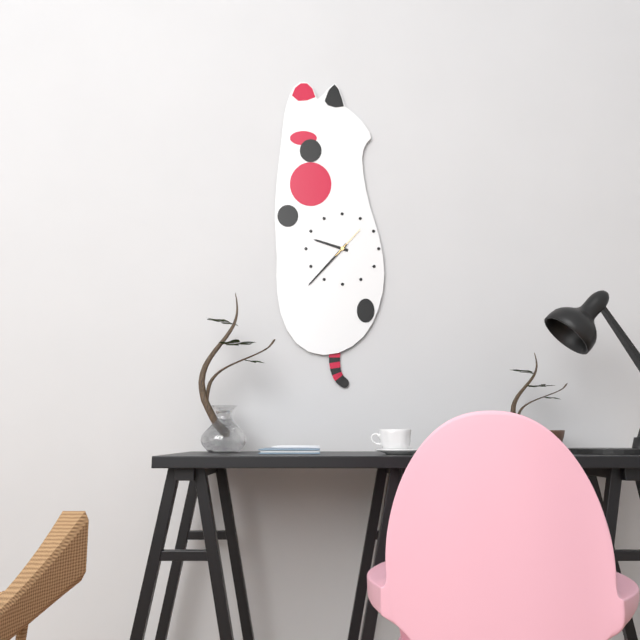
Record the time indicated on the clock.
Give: 9:37
